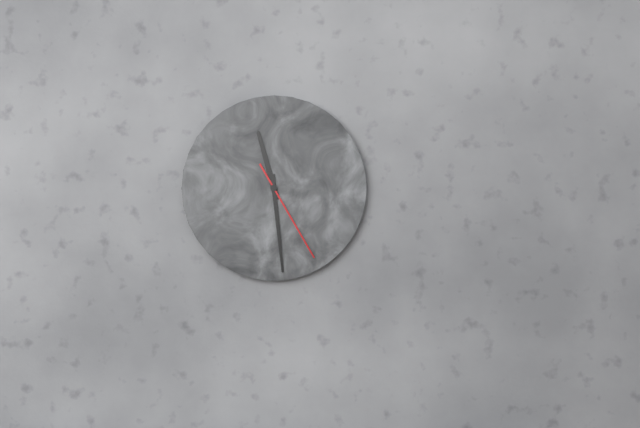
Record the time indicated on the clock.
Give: 11:29:25
